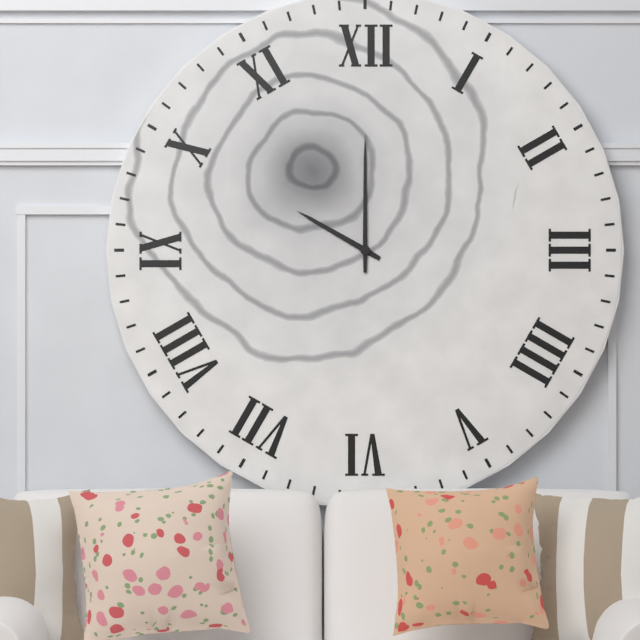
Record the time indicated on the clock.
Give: 10:00
